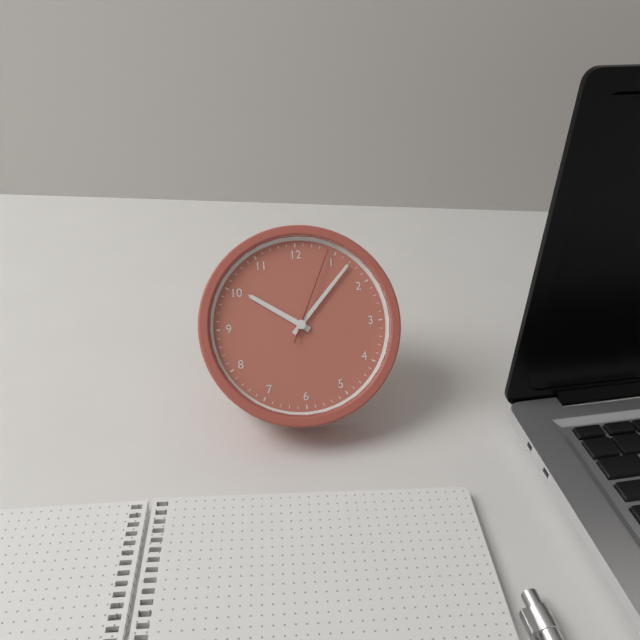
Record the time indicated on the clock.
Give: 10:07:04
